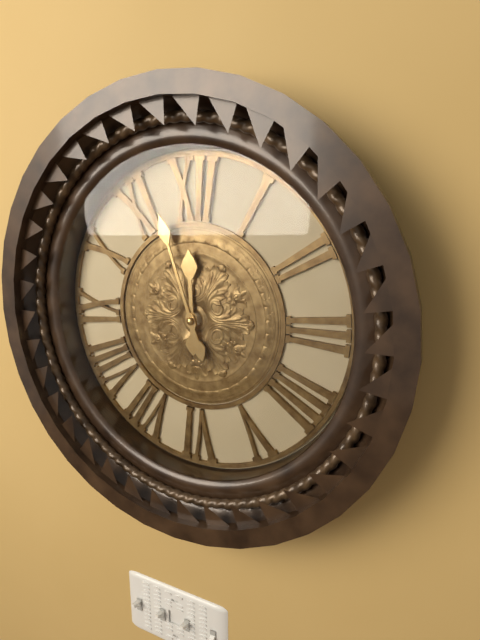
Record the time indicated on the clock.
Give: 11:57
